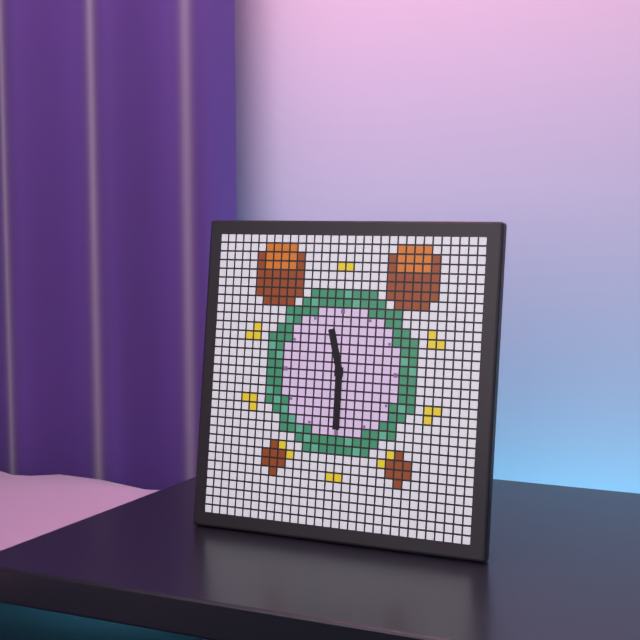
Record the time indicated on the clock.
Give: 11:30
